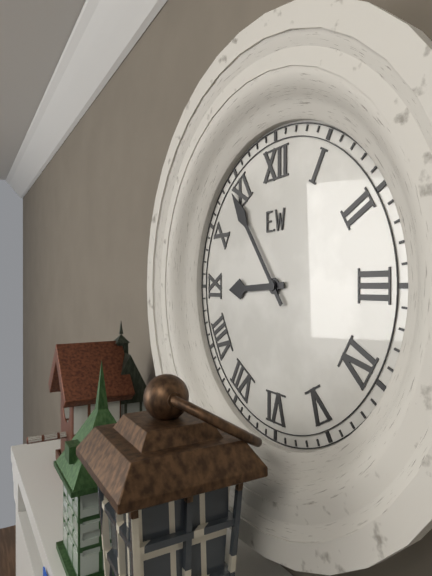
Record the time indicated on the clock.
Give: 8:54
